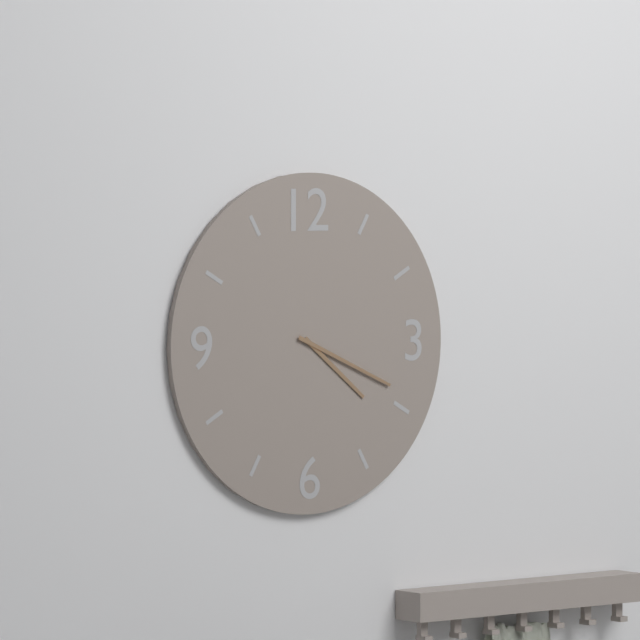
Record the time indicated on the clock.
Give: 4:19
